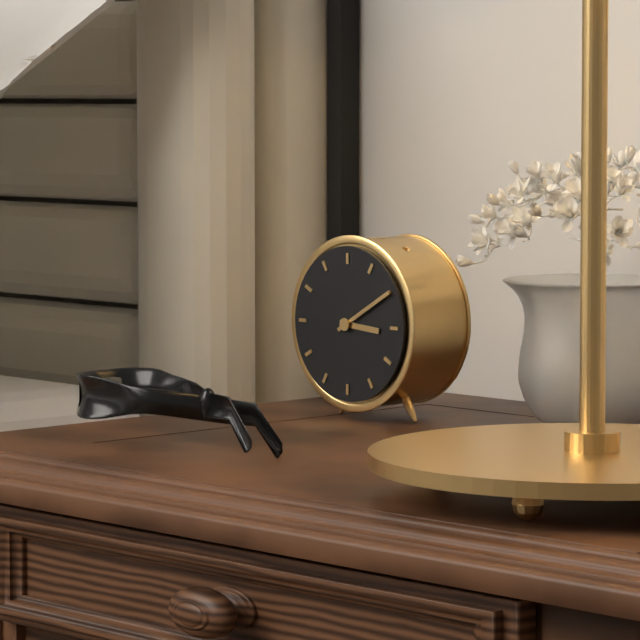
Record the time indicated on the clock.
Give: 3:10
